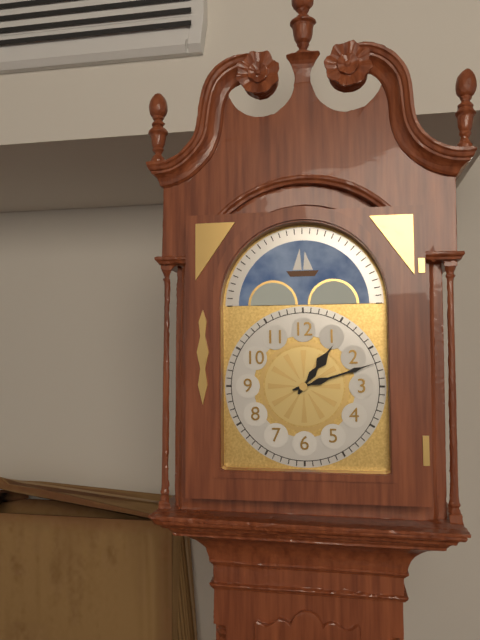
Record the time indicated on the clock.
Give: 1:12
